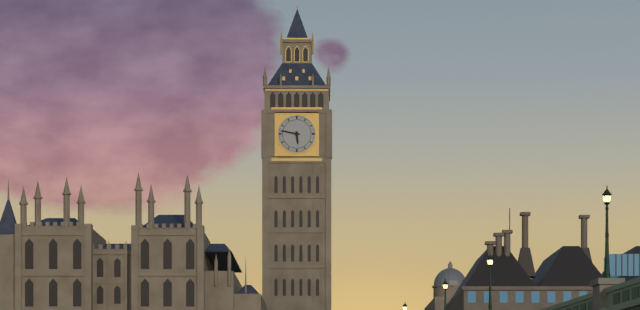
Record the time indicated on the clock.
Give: 5:47
